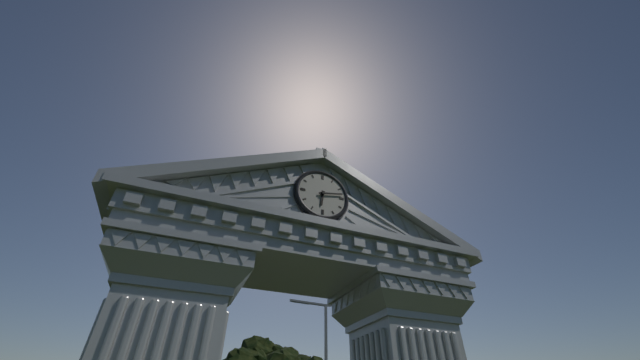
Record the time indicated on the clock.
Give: 6:13
